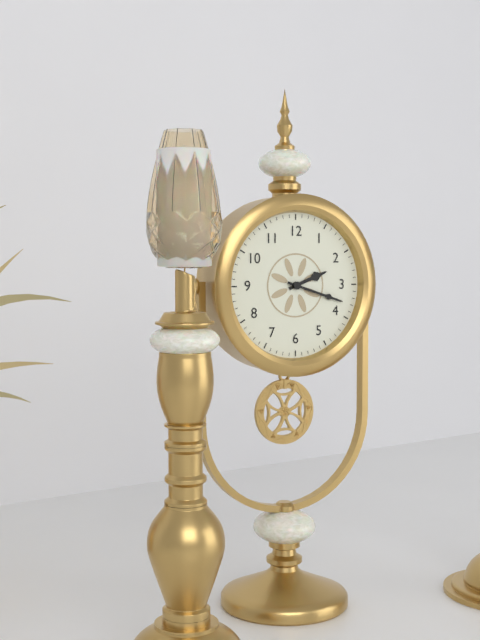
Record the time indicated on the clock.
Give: 2:18
